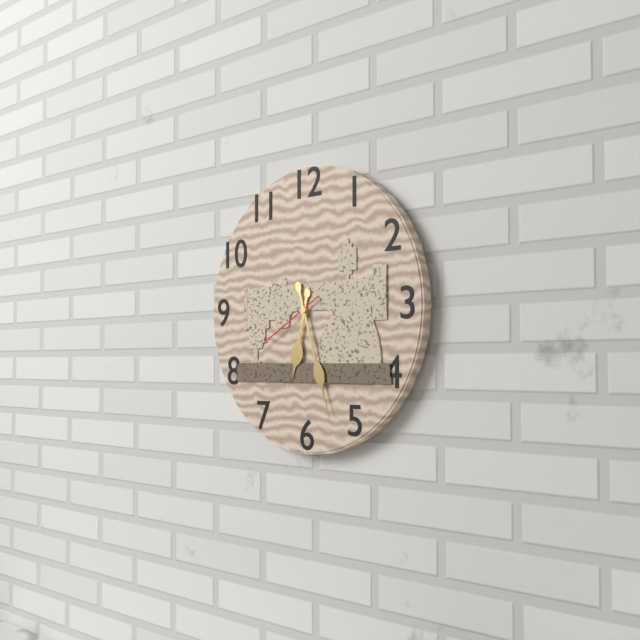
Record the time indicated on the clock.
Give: 6:27:40
